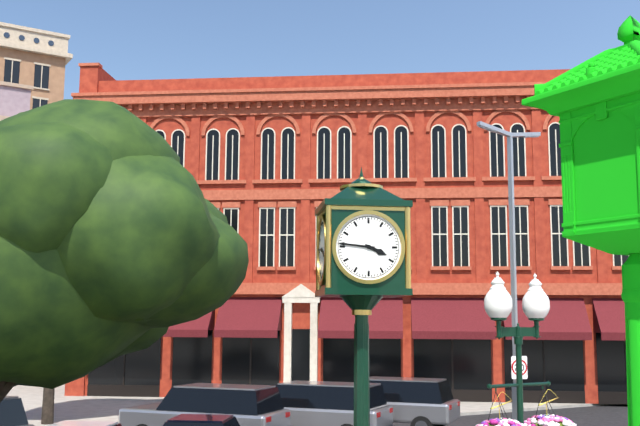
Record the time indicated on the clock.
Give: 3:46
